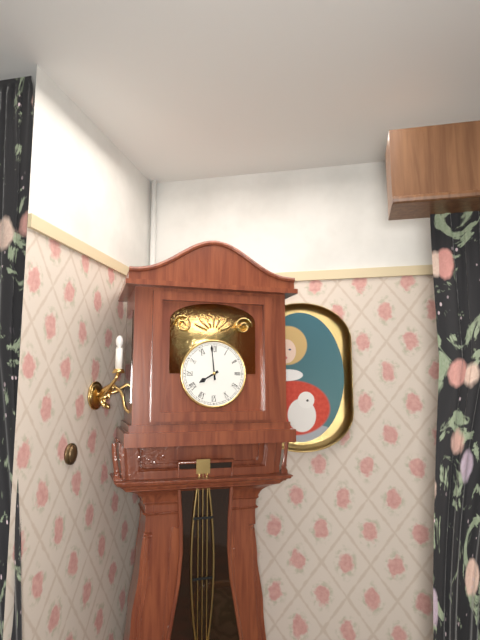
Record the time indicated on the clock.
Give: 7:59
